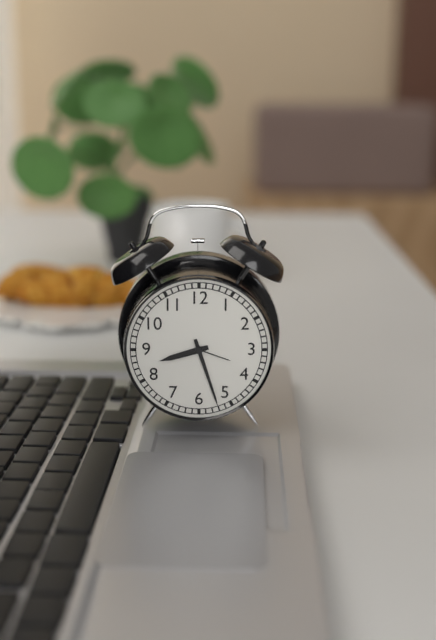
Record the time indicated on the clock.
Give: 8:27
